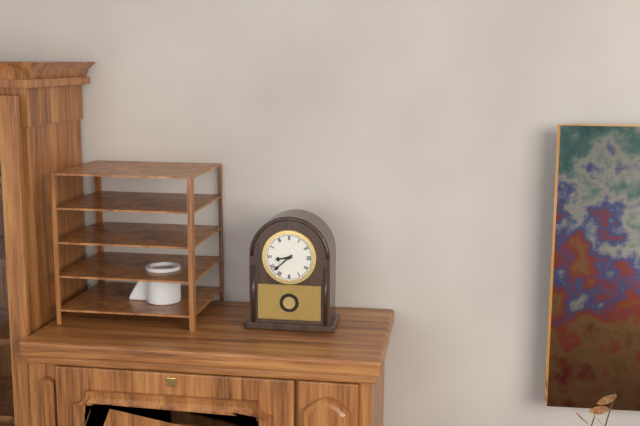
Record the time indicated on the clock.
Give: 8:38
